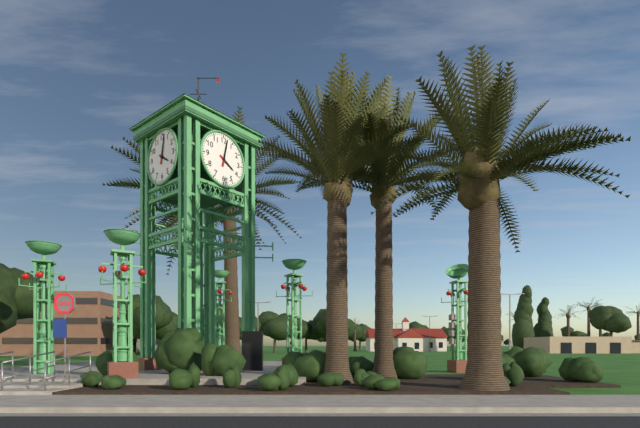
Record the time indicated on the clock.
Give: 4:02
